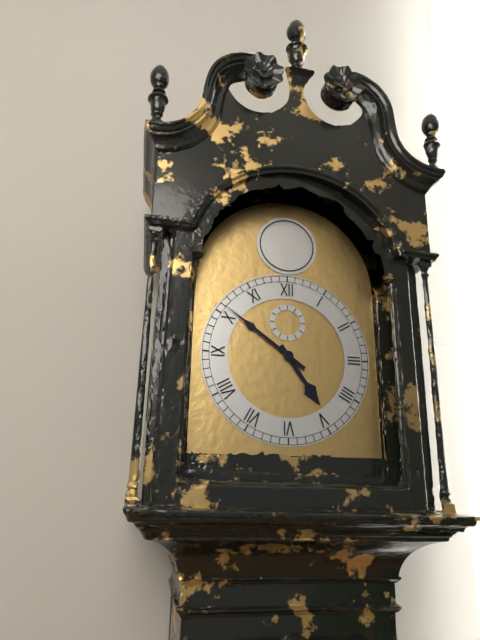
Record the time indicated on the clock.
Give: 4:51
